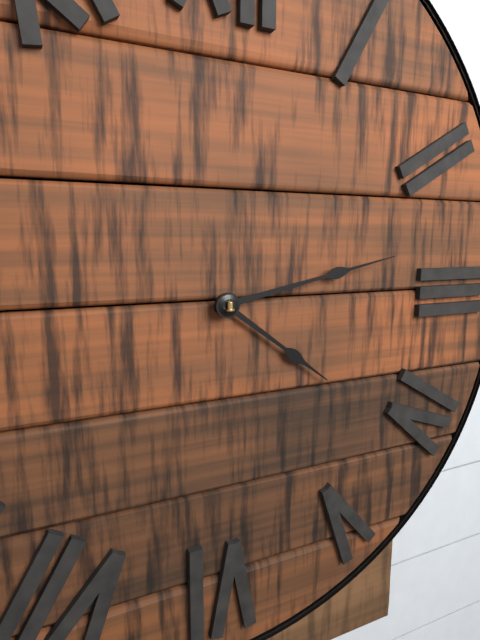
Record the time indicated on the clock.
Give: 4:13
